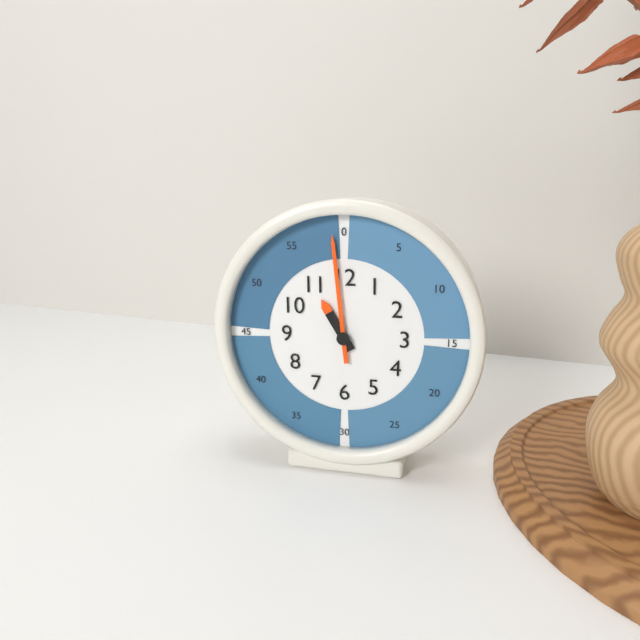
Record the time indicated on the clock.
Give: 10:59
